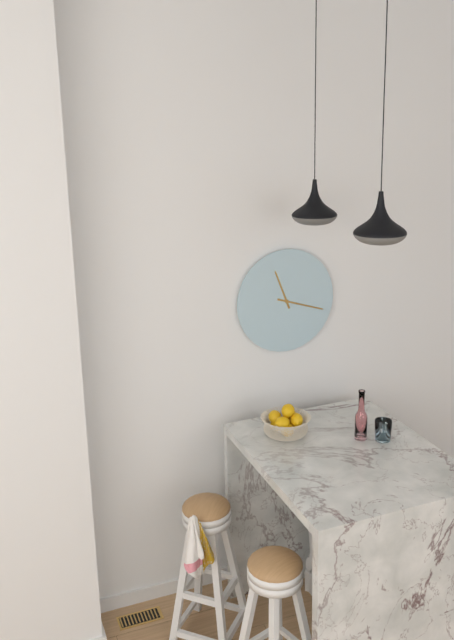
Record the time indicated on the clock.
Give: 11:18
